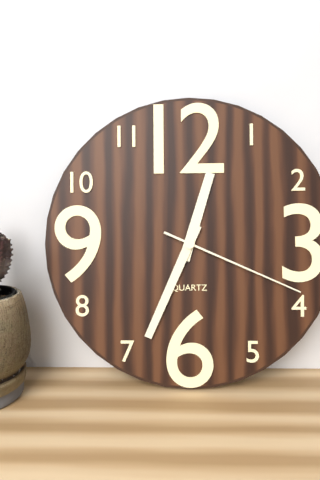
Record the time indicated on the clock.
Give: 12:34:19
